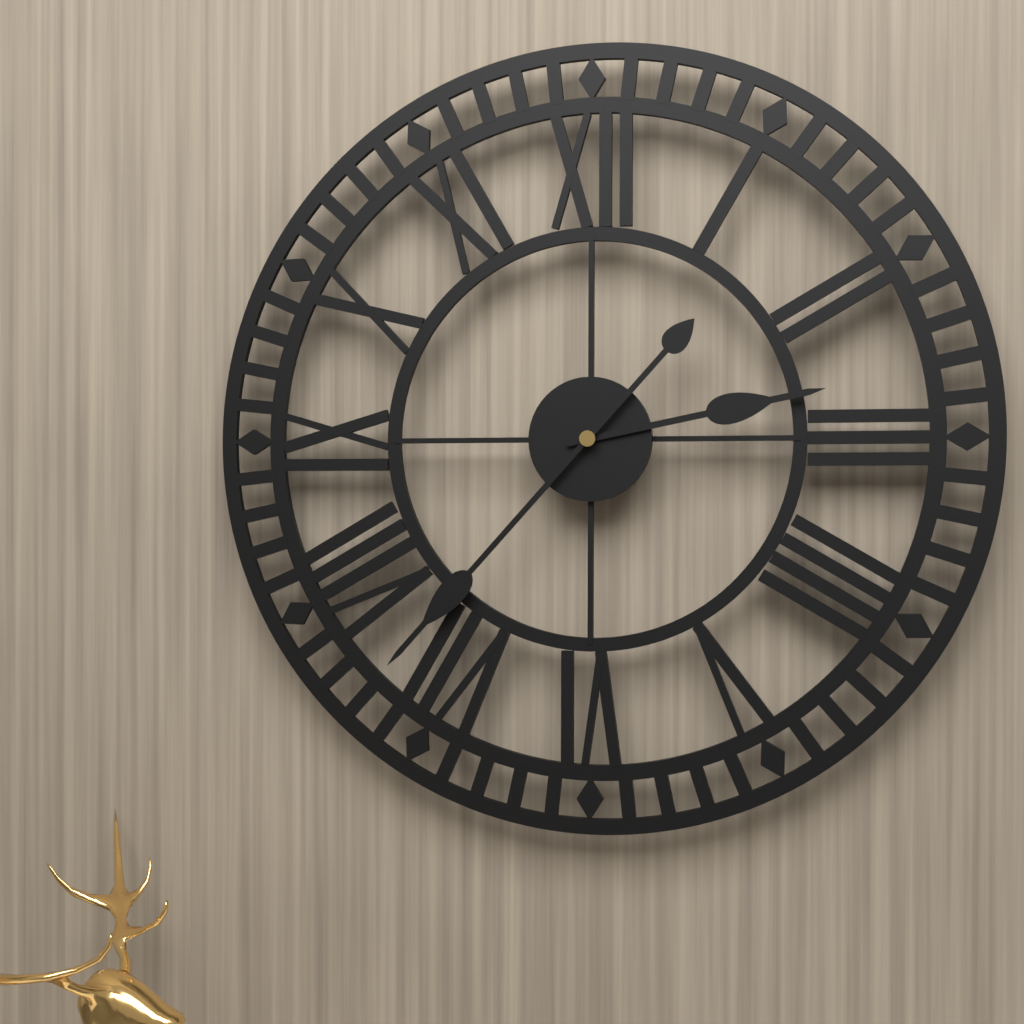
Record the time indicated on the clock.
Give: 2:37
